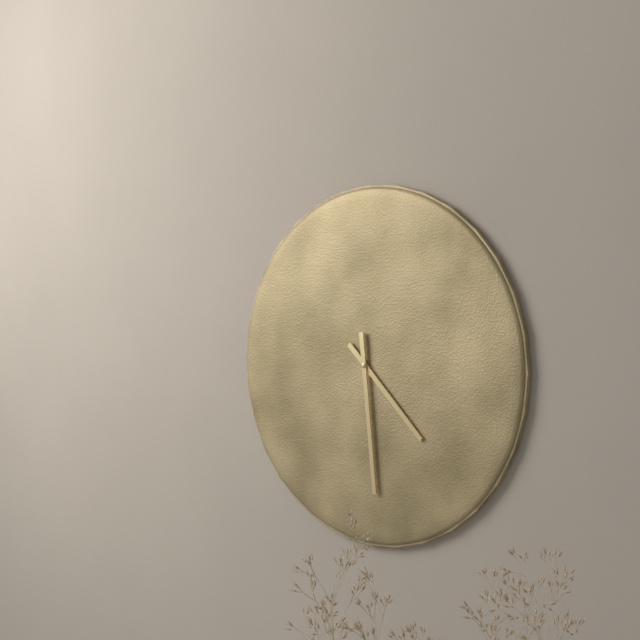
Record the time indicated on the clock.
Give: 4:29
